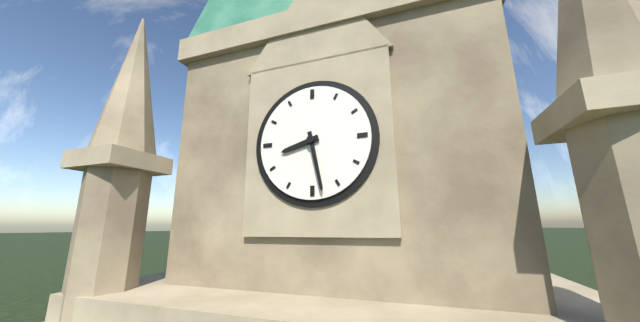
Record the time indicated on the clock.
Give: 8:28
